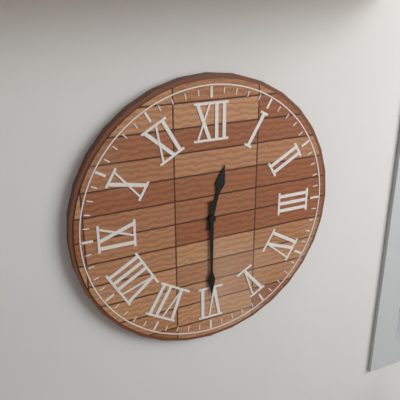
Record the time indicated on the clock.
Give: 12:30
